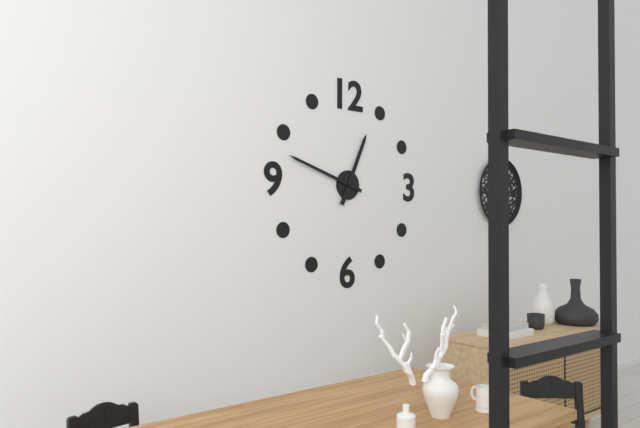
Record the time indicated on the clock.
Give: 12:48
